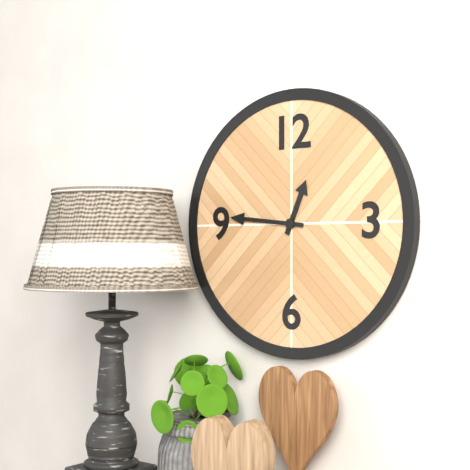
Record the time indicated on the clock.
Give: 12:46
